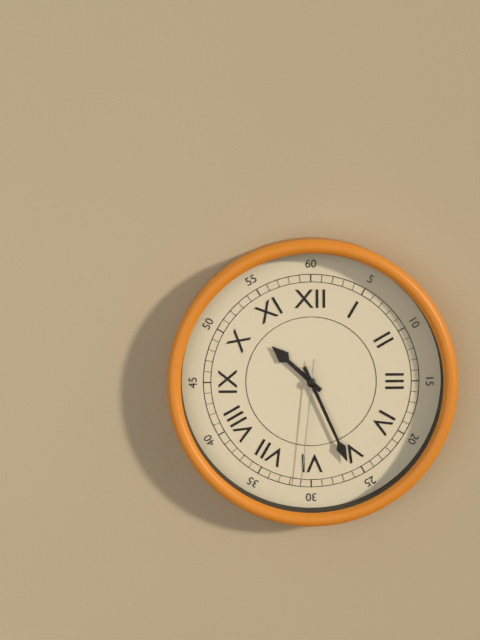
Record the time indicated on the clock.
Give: 10:26:31
